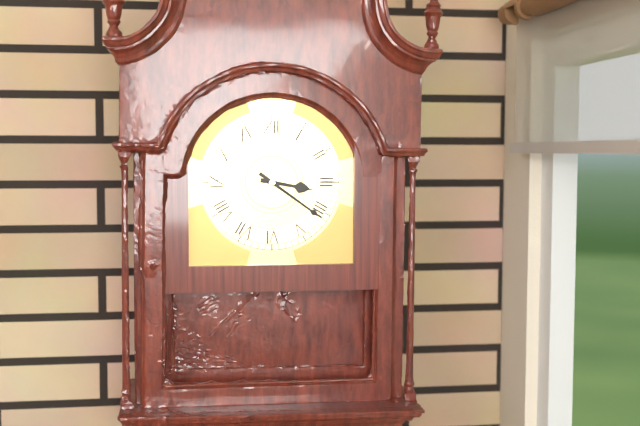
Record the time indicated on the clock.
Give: 3:21
